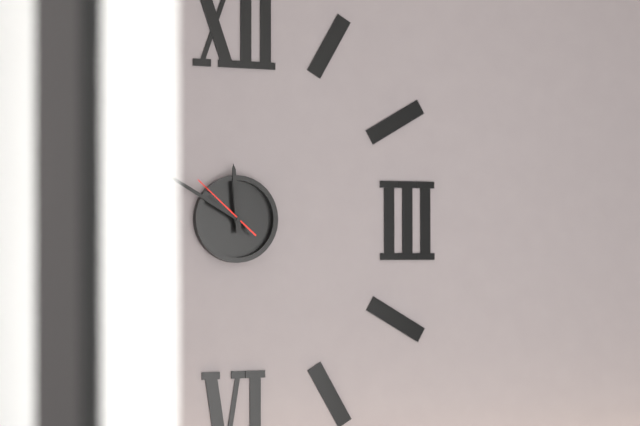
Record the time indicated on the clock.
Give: 11:50:52
